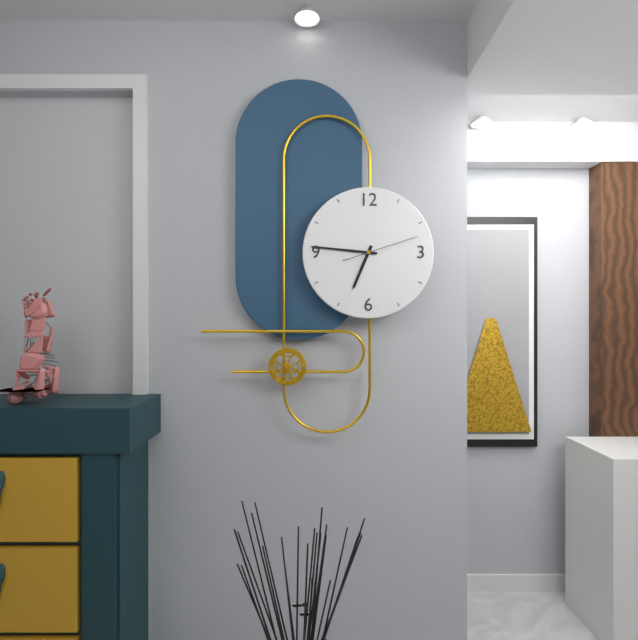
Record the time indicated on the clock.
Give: 6:46:12
